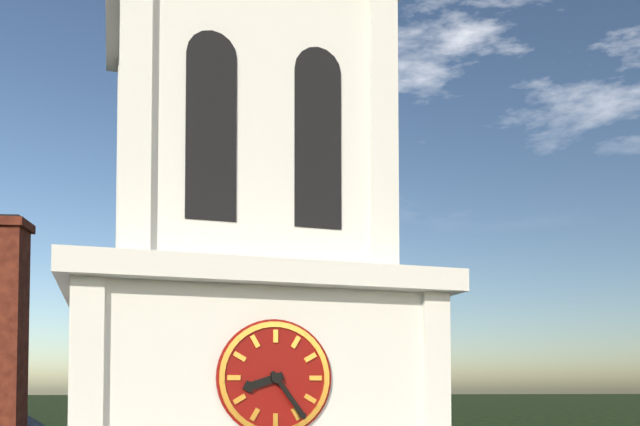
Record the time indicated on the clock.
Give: 8:24
